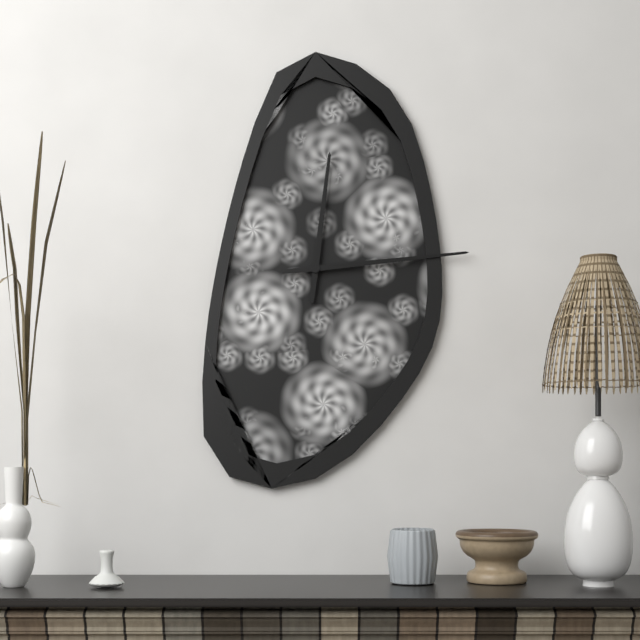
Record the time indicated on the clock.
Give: 12:14
